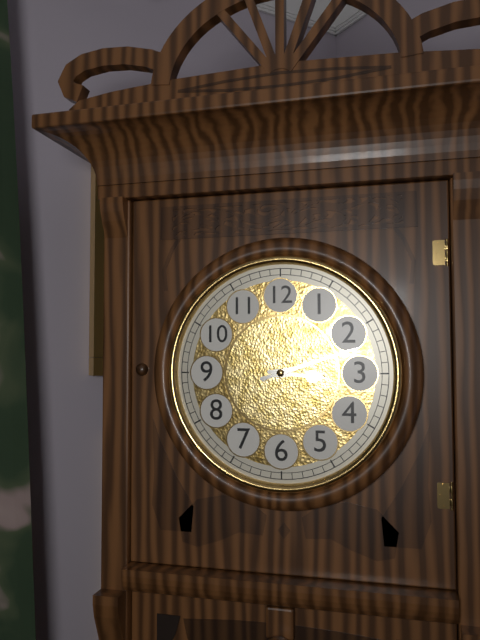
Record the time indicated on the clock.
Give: 3:12
